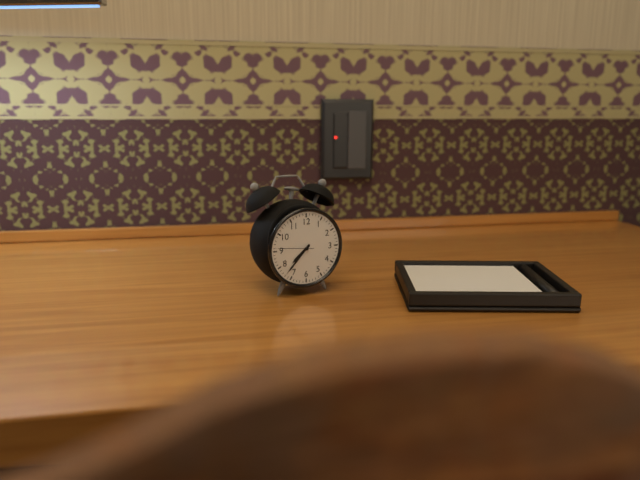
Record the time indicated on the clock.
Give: 7:37
